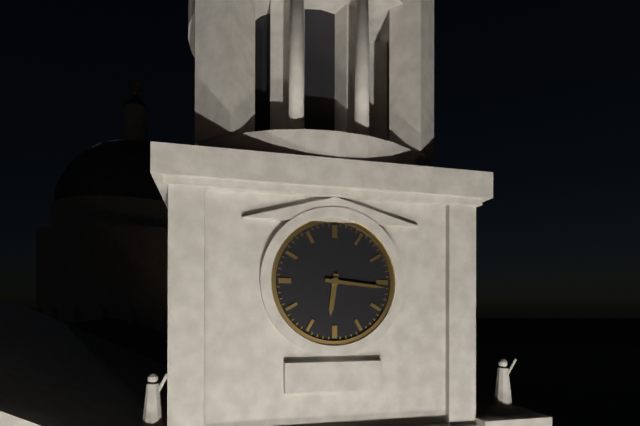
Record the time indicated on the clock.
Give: 6:16
